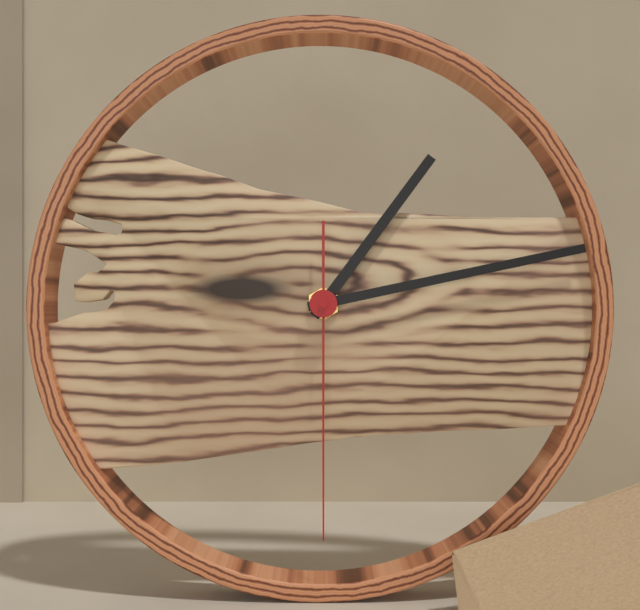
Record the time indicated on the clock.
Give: 1:13:30
